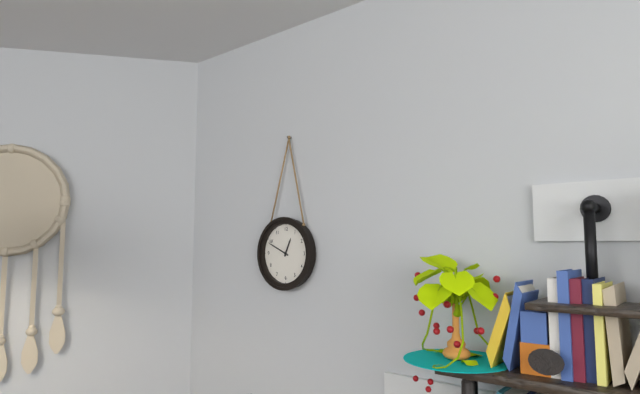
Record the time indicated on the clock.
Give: 12:49
